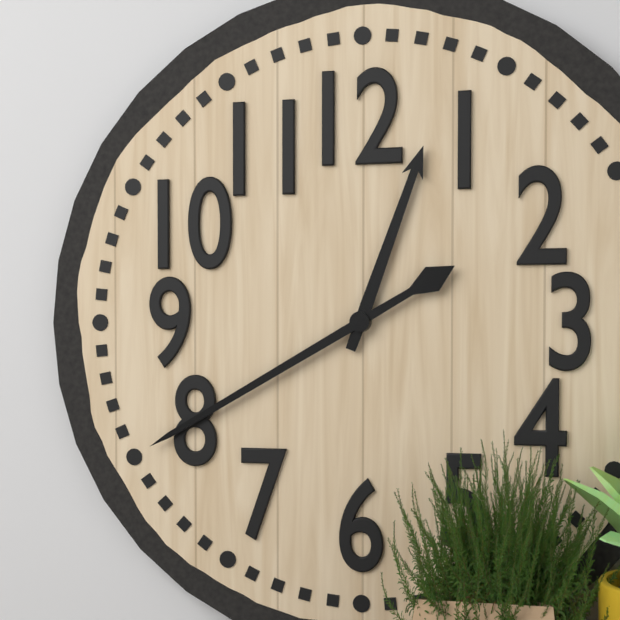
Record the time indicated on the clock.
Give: 12:40
